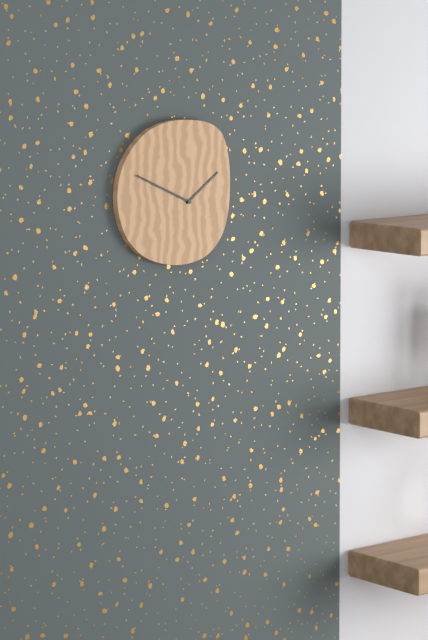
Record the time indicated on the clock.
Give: 1:49
